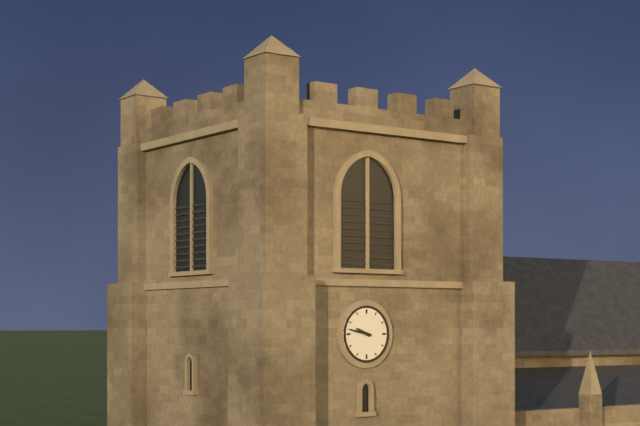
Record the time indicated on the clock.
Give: 9:47
